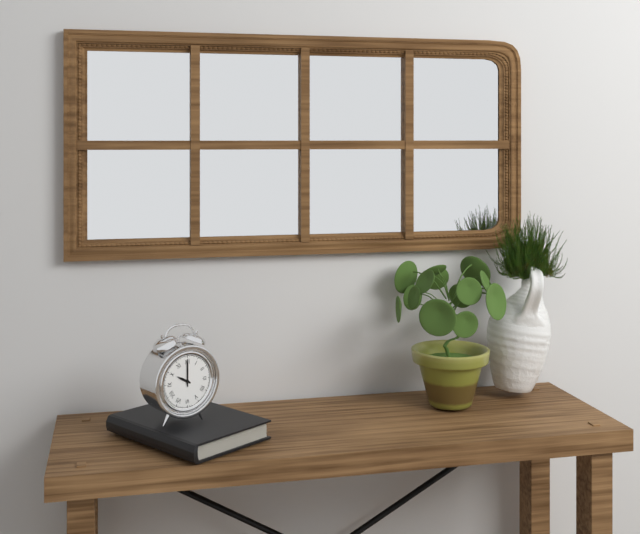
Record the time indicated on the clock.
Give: 10:00
